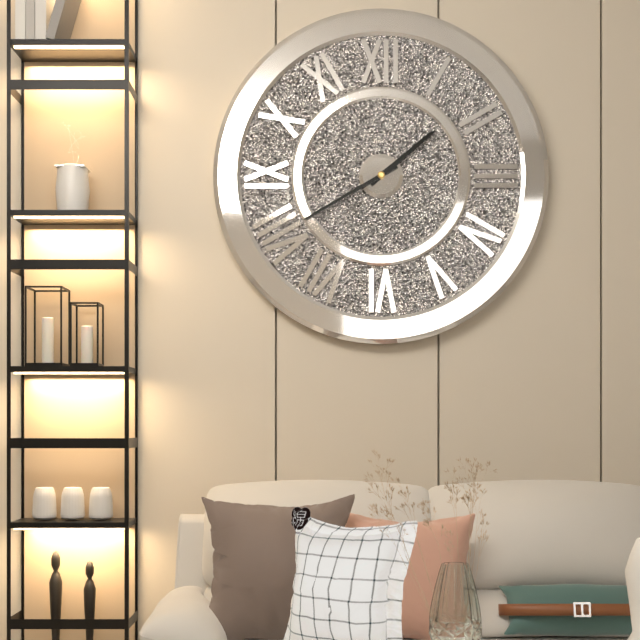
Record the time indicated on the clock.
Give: 1:40
